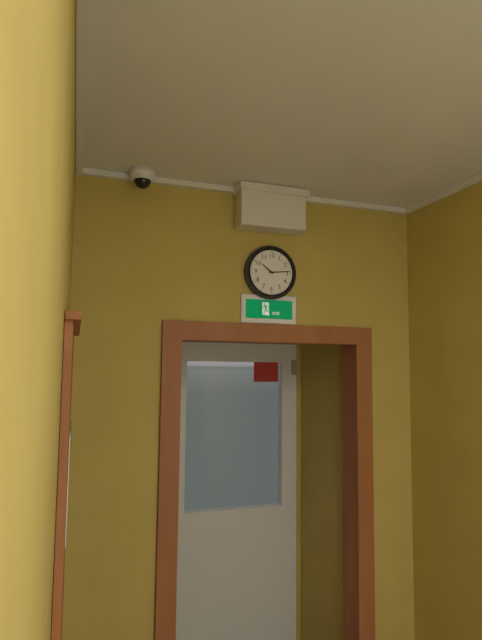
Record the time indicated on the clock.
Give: 10:14
